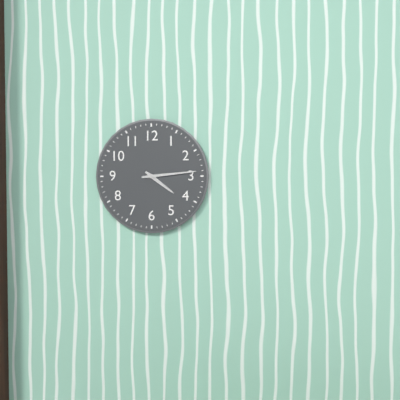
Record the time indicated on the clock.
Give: 4:14
